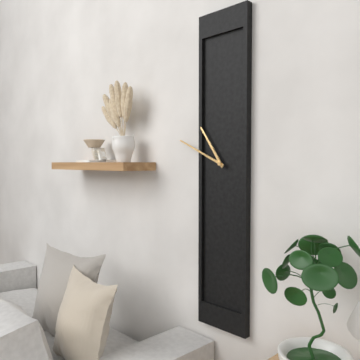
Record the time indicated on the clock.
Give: 10:49
